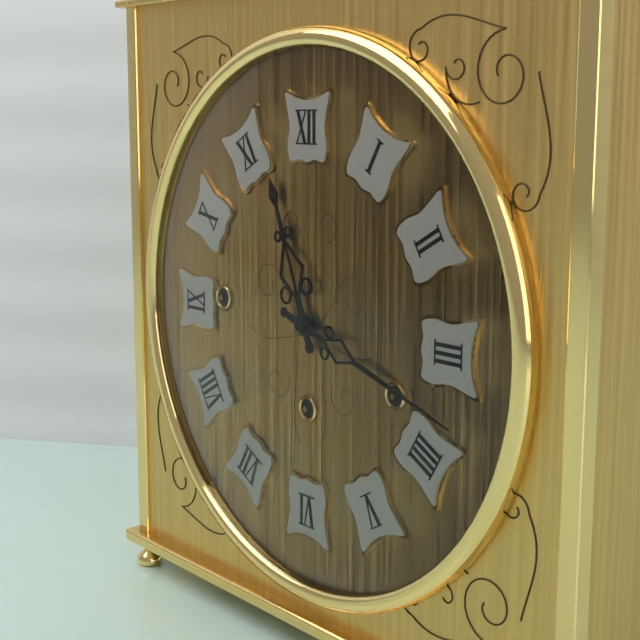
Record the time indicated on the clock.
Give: 11:18
